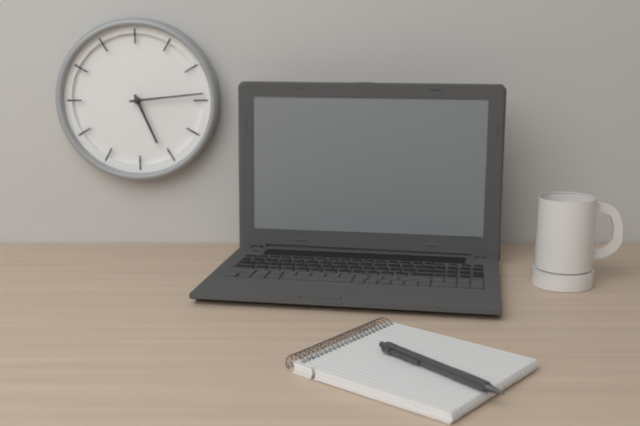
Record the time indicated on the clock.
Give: 5:14
